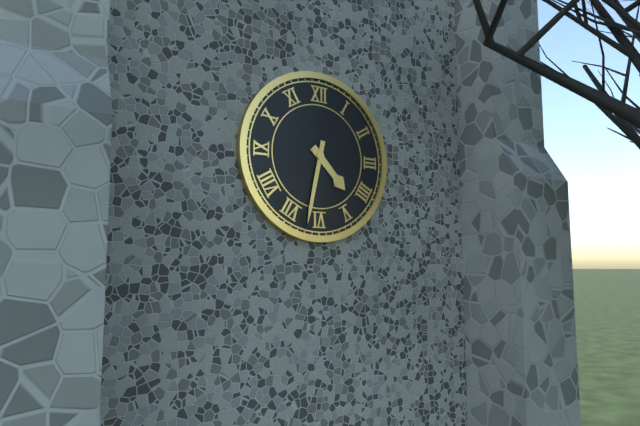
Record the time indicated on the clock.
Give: 4:32
